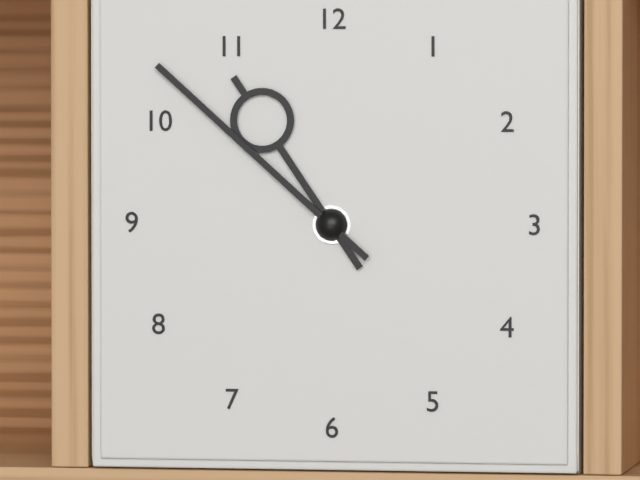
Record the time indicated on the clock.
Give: 10:52
